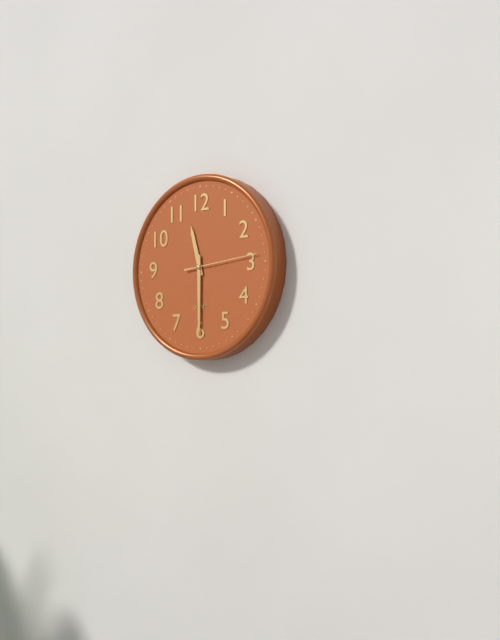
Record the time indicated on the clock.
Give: 11:30:14
